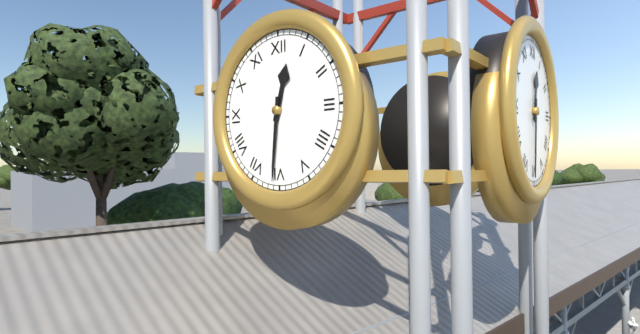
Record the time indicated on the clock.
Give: 12:31
